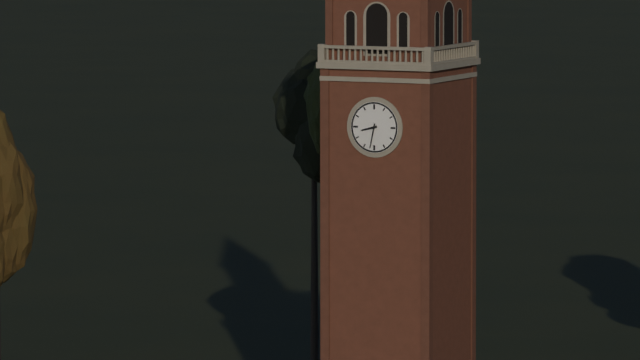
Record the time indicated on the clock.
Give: 8:32
